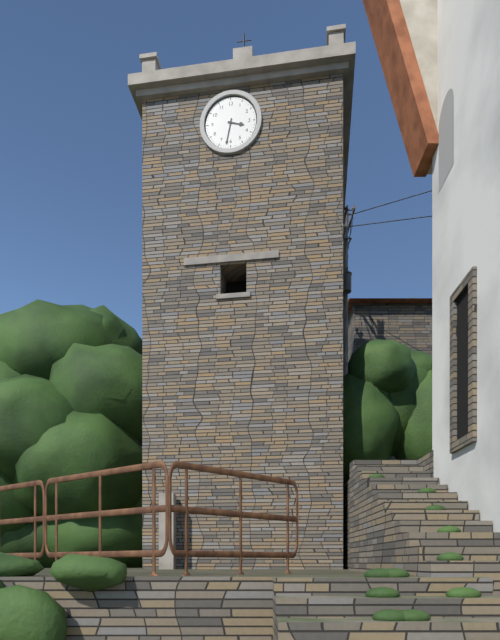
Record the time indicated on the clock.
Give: 3:32
